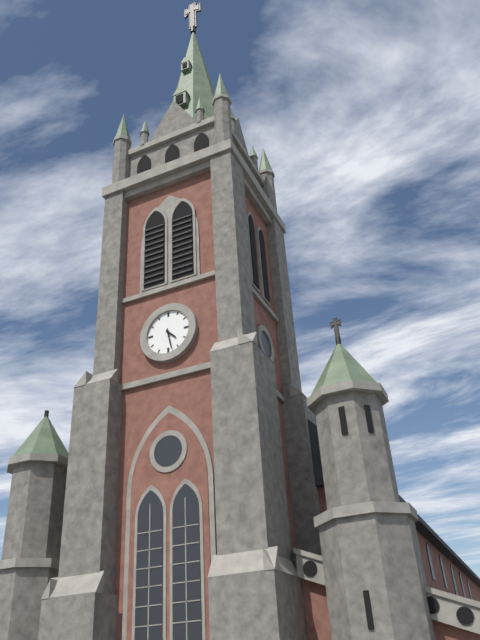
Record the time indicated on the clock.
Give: 4:28
